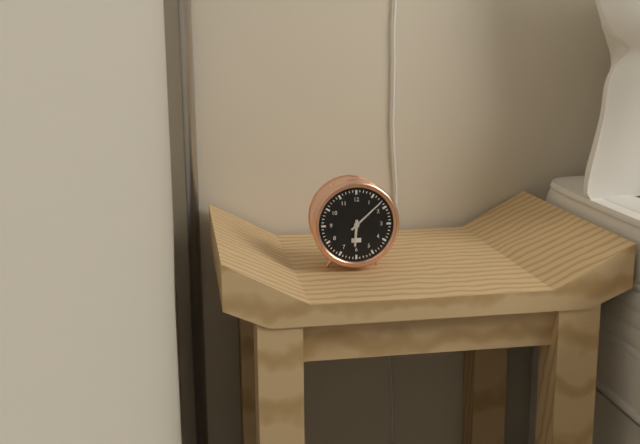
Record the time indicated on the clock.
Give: 6:08
